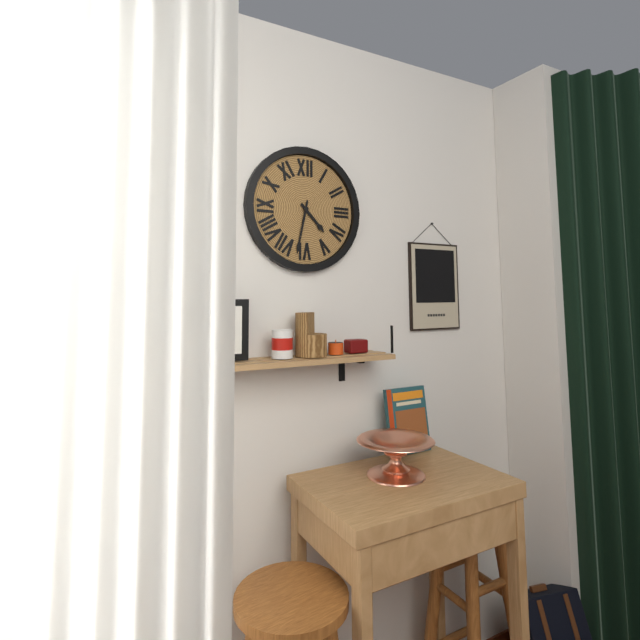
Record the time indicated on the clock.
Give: 4:32
